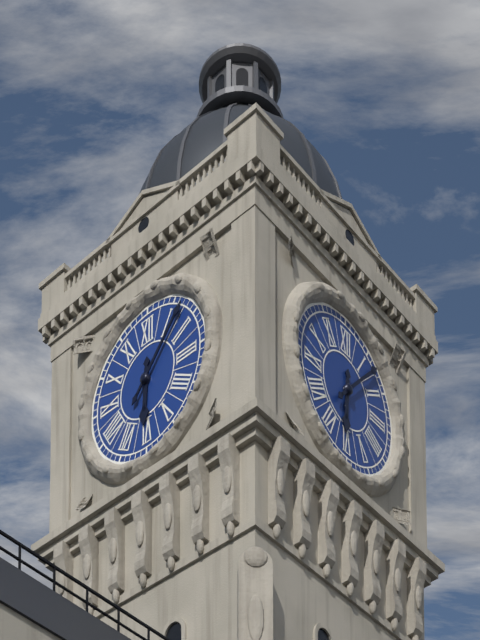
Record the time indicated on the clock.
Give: 6:07
